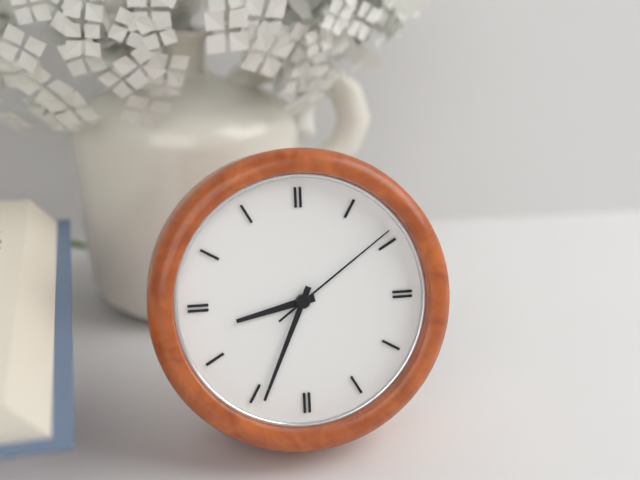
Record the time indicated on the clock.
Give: 8:34:09
